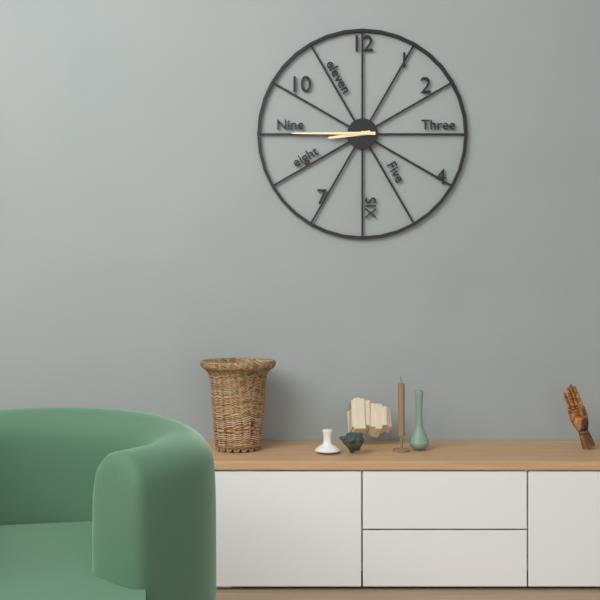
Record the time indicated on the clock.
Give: 8:45
